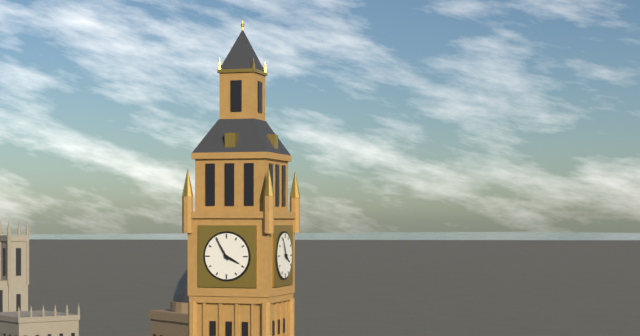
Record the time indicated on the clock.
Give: 3:55
